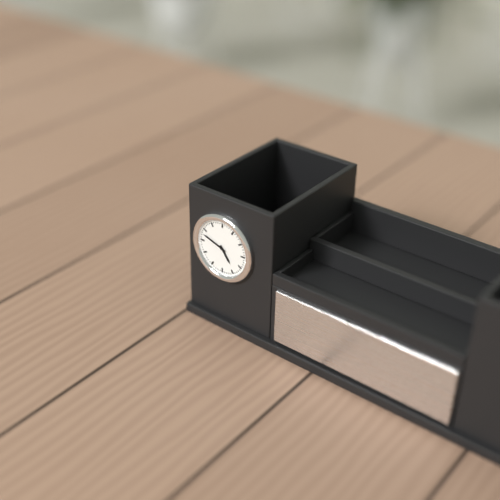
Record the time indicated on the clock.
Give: 4:48
